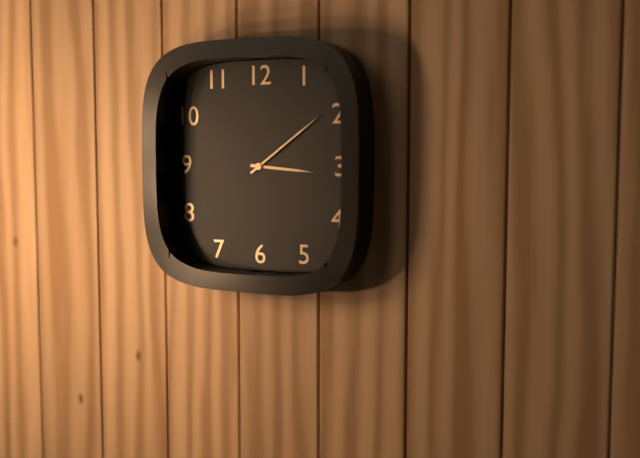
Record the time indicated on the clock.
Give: 3:09
